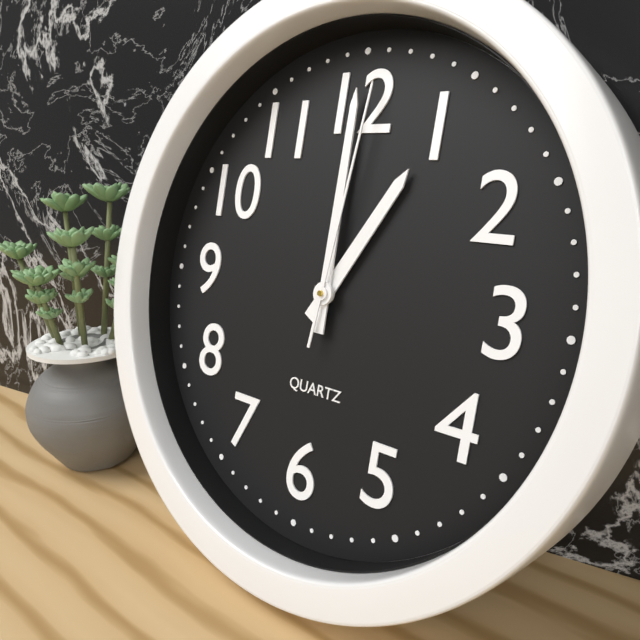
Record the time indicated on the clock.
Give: 1:00:01
